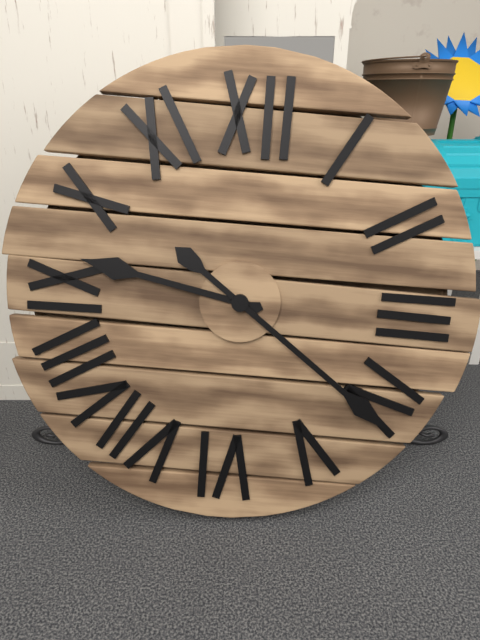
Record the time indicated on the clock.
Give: 9:21
